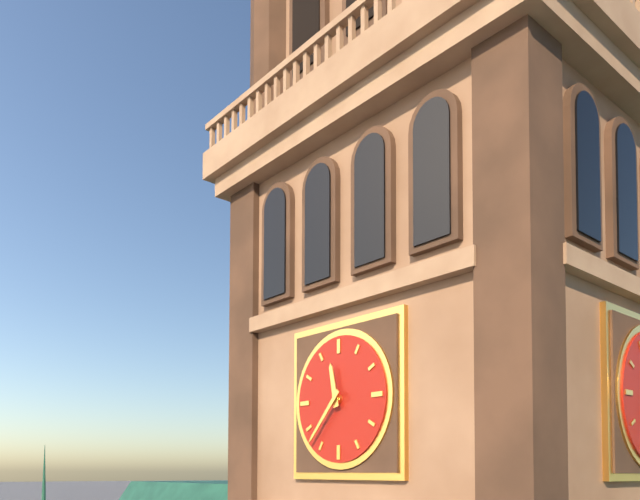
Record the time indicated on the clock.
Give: 11:37
